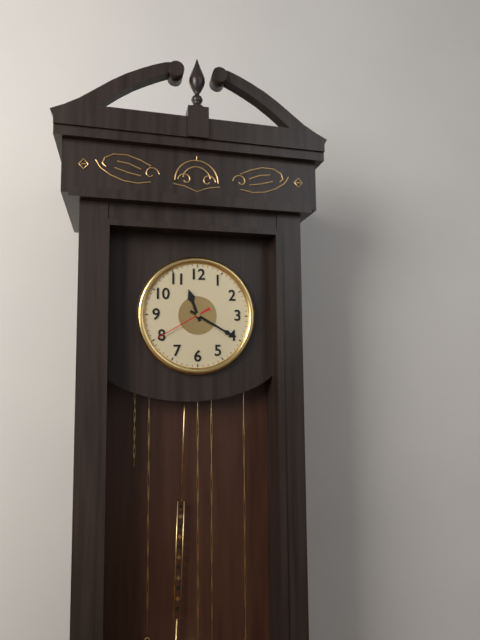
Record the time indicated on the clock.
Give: 11:20:40
